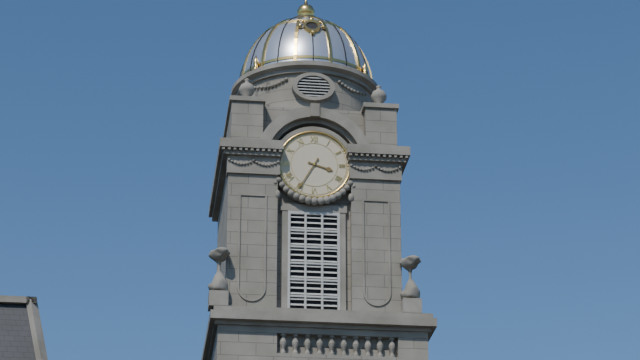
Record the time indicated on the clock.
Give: 3:35
